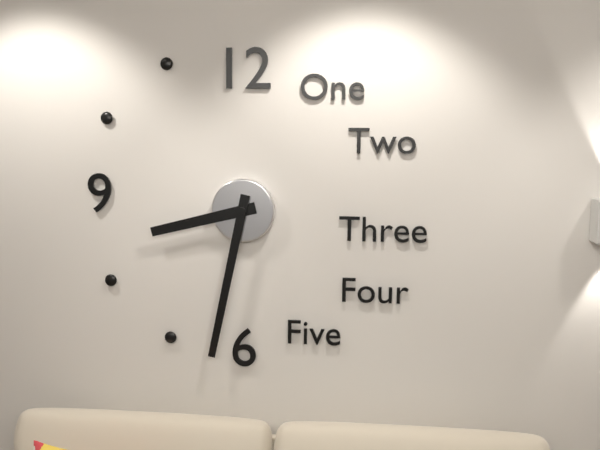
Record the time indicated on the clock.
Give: 8:32
